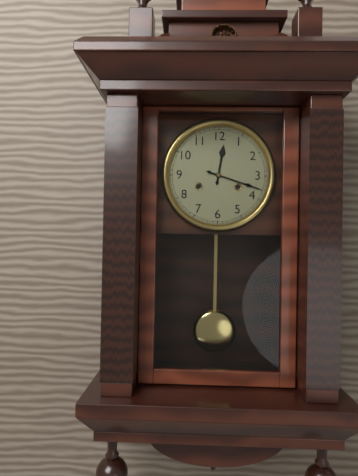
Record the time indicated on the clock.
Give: 12:18
